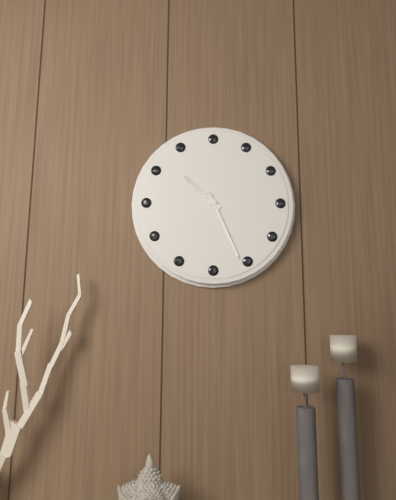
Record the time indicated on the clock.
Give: 10:26
